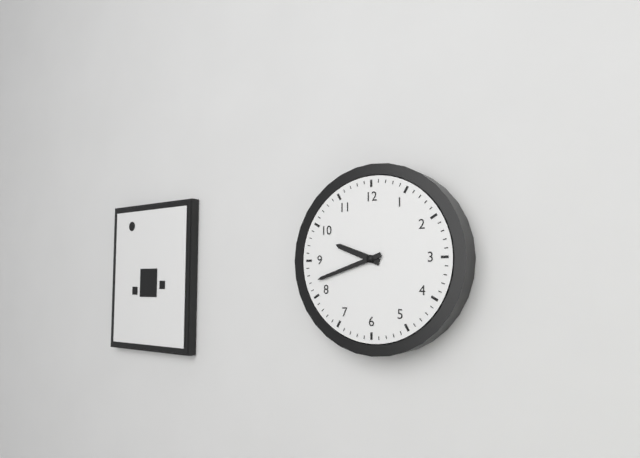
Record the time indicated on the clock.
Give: 9:42
